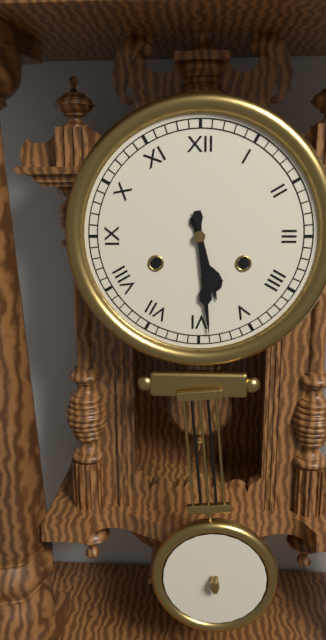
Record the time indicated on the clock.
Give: 5:29
